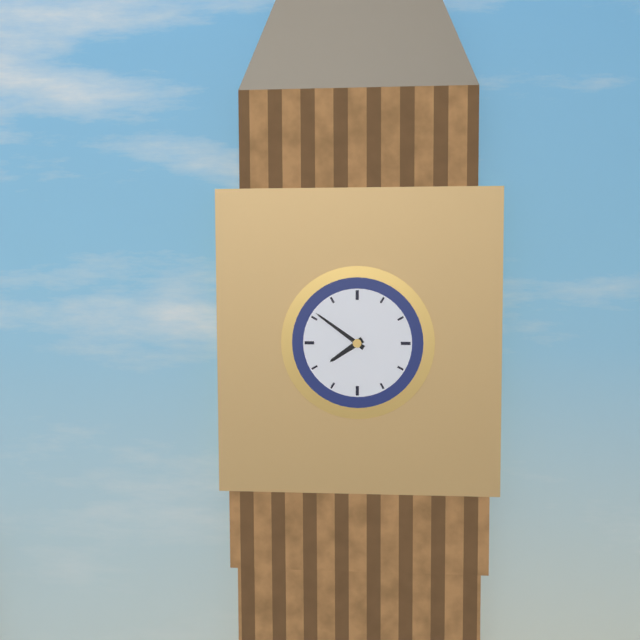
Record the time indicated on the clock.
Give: 7:51
